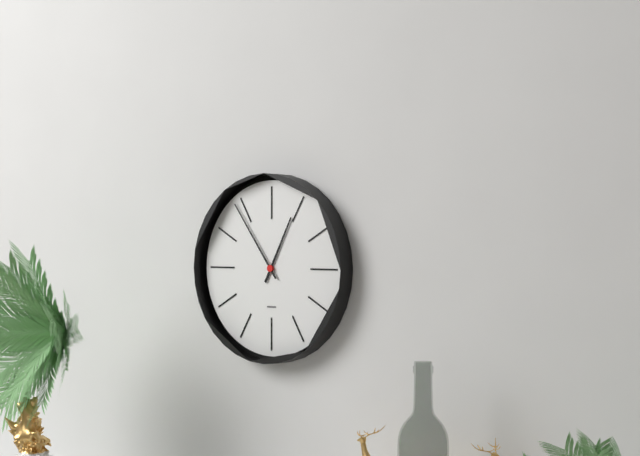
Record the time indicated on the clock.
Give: 12:54
